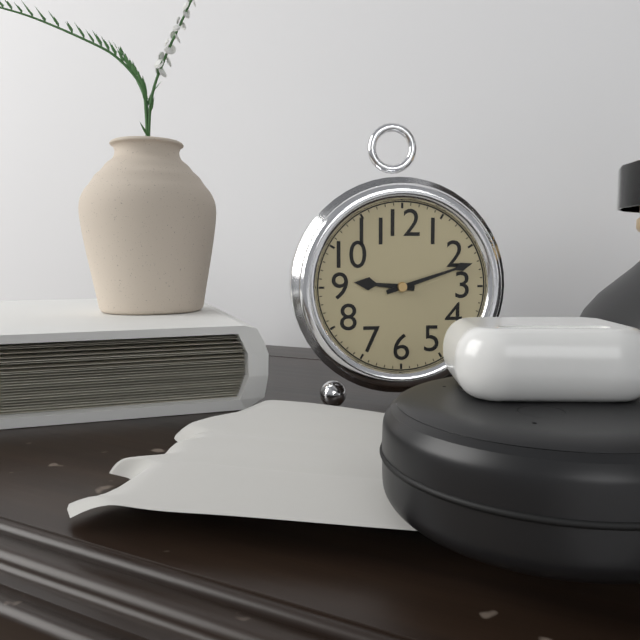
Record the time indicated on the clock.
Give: 9:12
